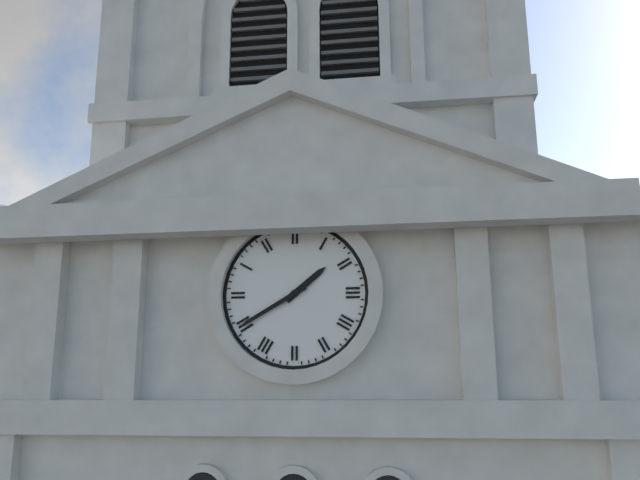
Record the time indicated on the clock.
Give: 1:40
